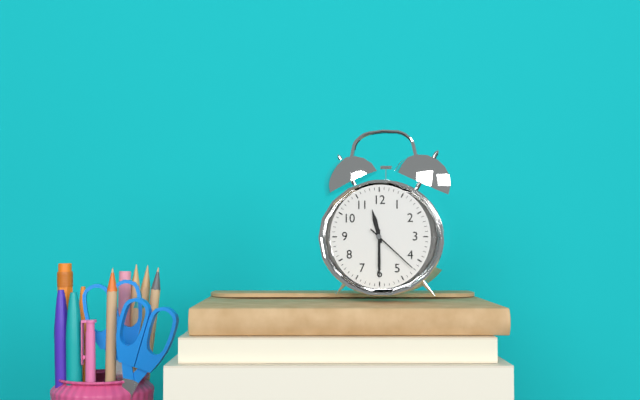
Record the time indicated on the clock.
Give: 11:30:22
